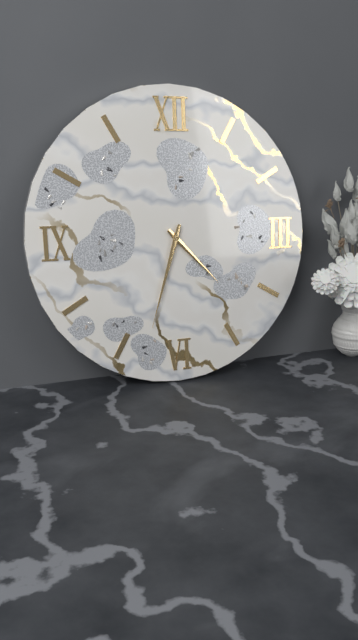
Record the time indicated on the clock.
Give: 4:33
